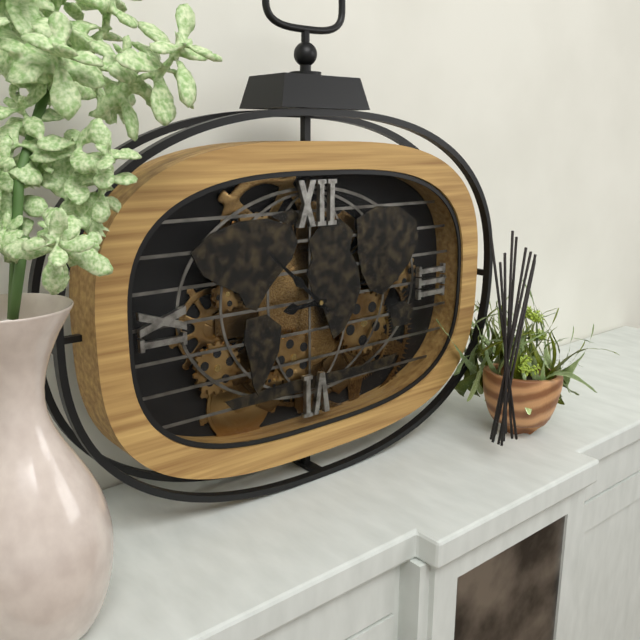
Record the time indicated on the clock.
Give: 8:52
